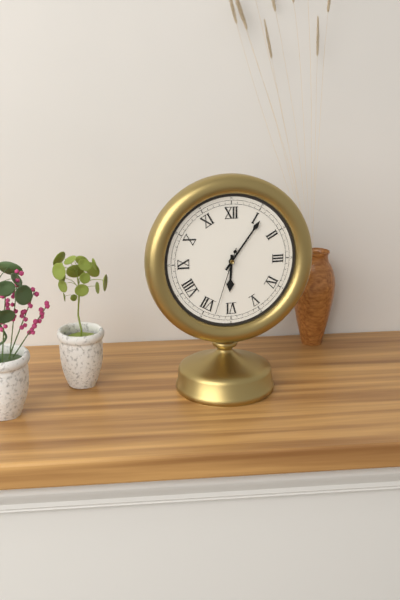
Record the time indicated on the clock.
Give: 6:06:33
